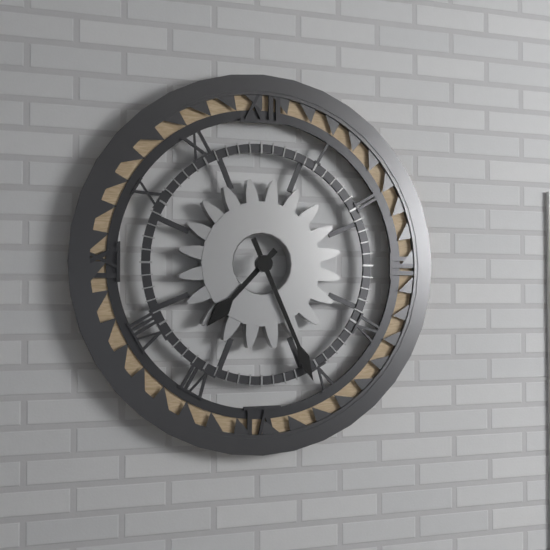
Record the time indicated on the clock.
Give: 7:26
